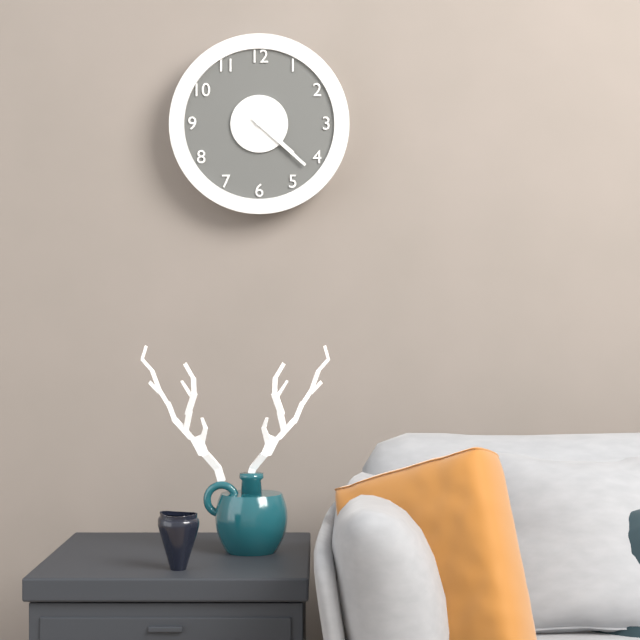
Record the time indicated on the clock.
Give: 4:22
